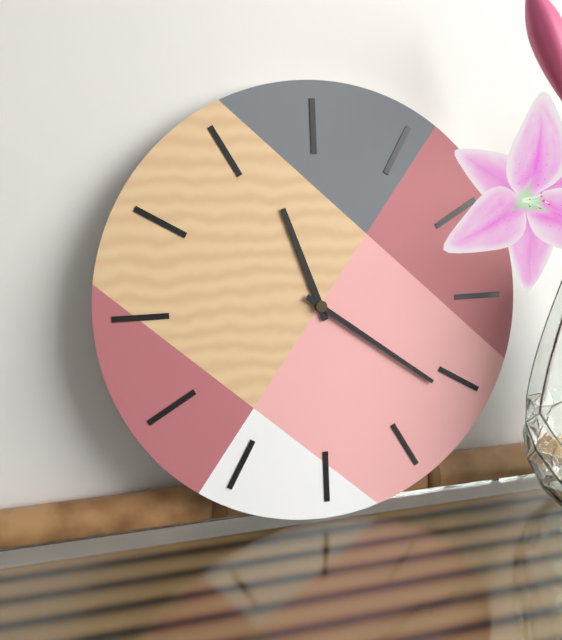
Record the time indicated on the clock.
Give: 11:21
